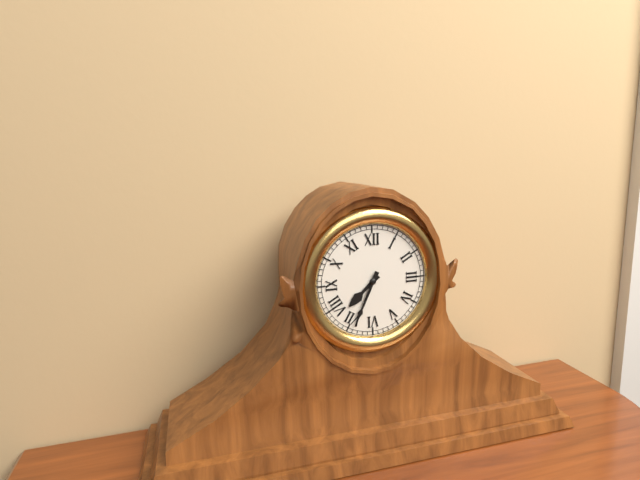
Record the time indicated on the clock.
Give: 7:34
